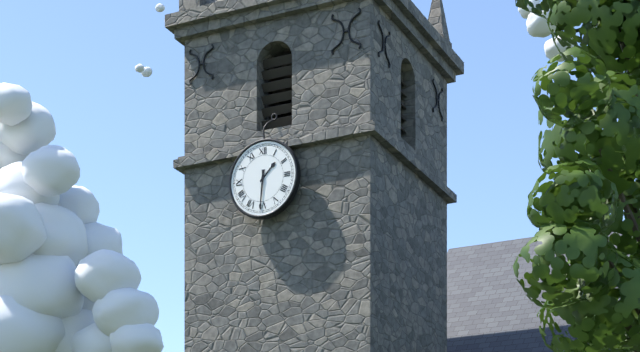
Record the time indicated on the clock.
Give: 1:31
